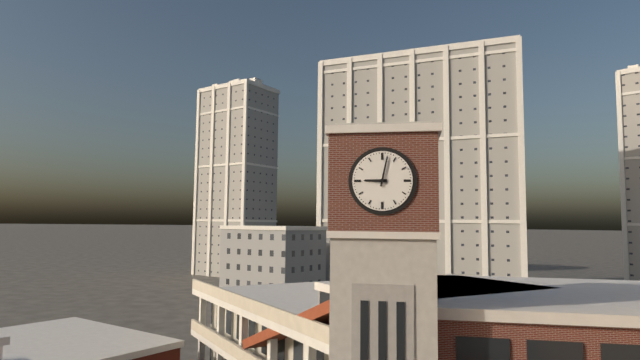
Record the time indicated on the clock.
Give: 9:02
